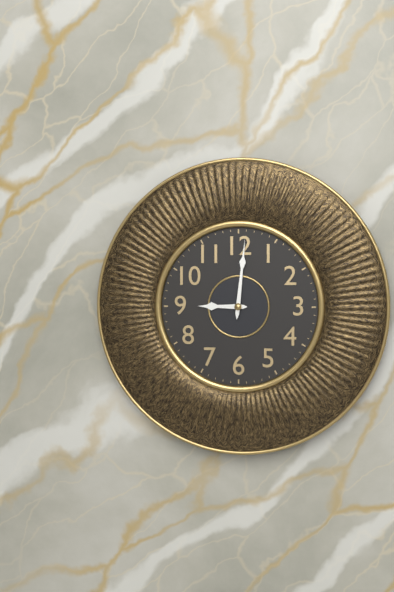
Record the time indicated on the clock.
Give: 9:01
